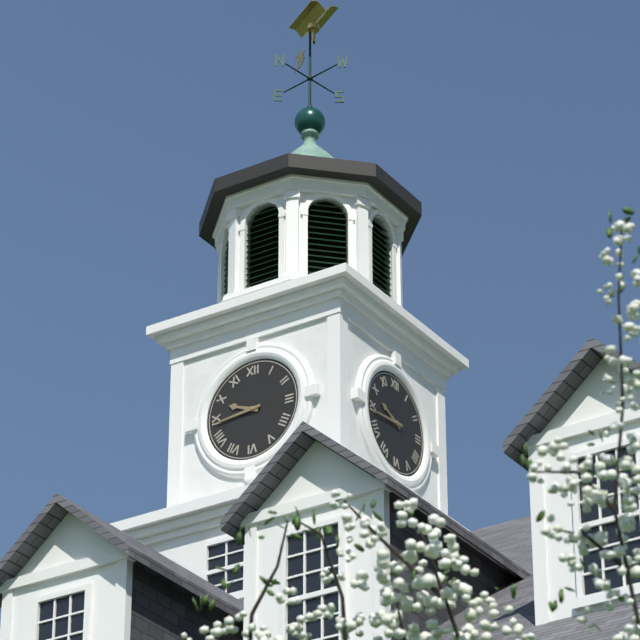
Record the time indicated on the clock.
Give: 9:44
